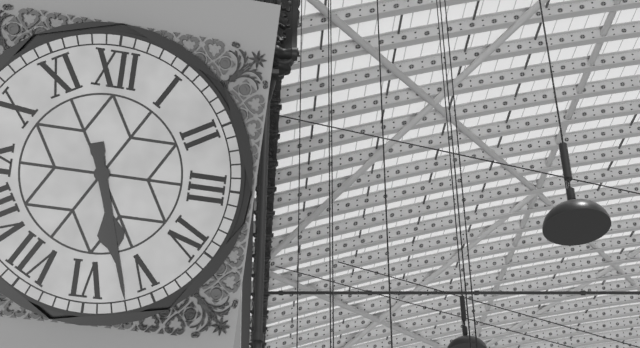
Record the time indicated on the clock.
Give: 5:27
